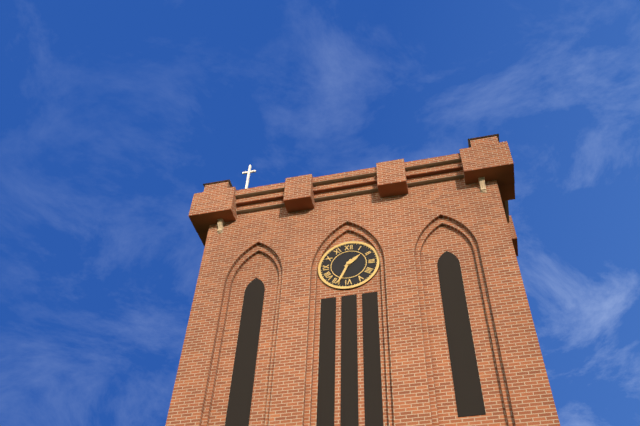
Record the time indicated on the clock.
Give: 1:34
